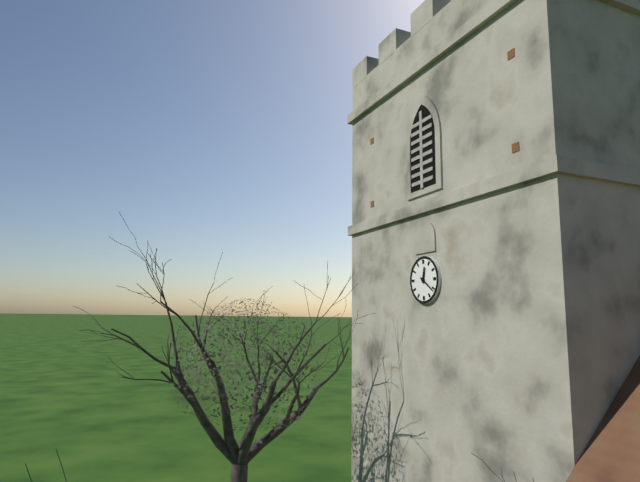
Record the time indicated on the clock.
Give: 12:21
